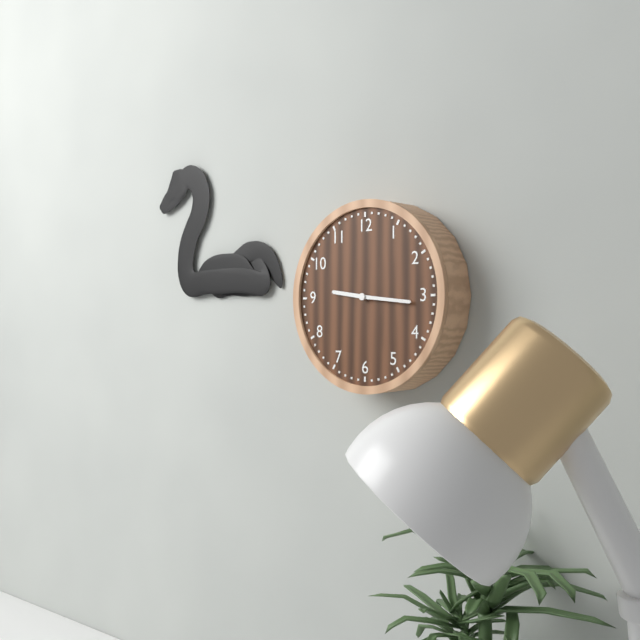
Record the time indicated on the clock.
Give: 9:16
